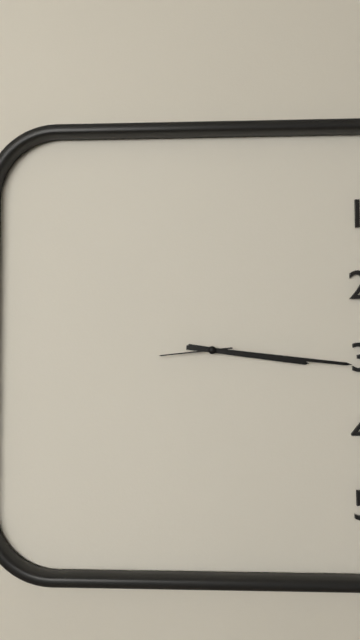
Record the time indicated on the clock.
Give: 3:16:44
